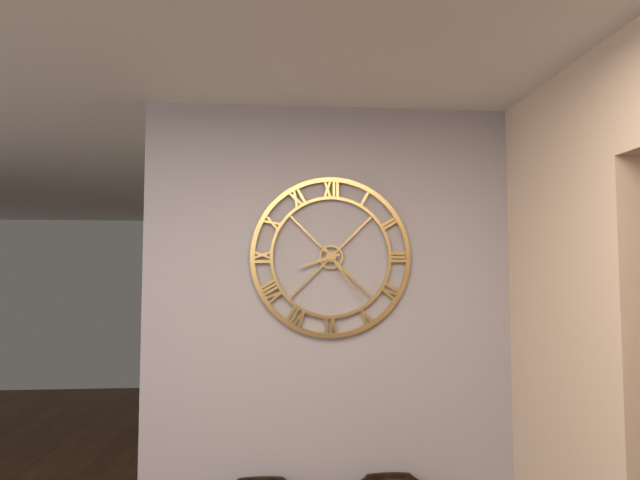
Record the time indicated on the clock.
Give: 8:24
